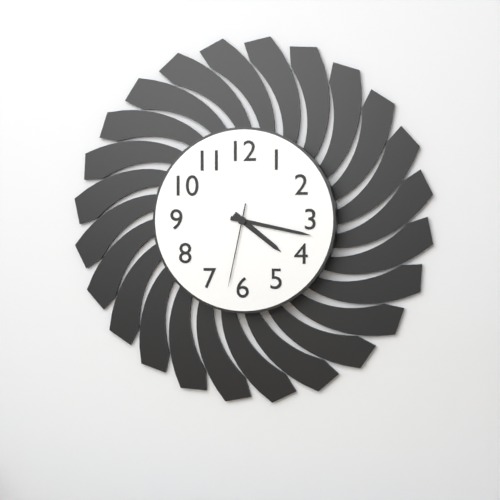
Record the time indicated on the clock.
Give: 4:17:32
